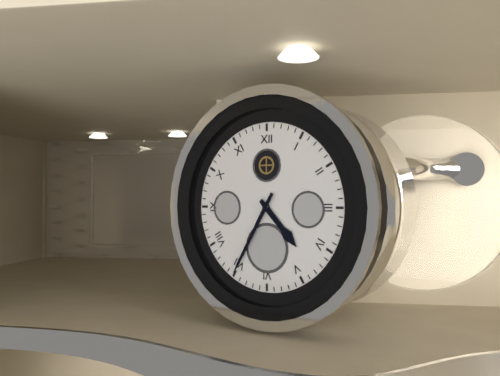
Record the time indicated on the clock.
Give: 4:35
